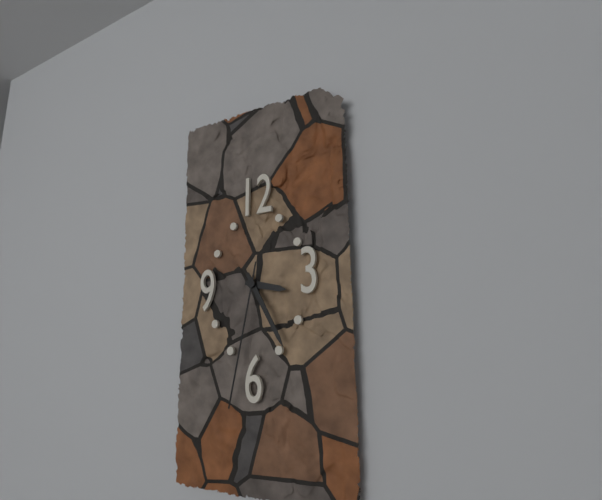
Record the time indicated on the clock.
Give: 3:25:32
